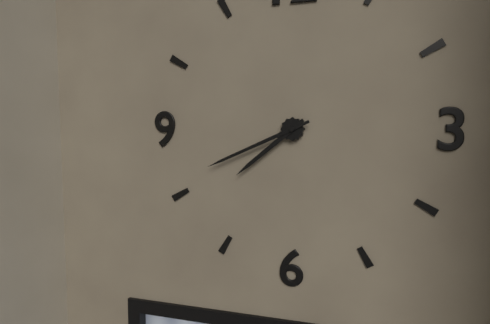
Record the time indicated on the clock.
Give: 7:41
